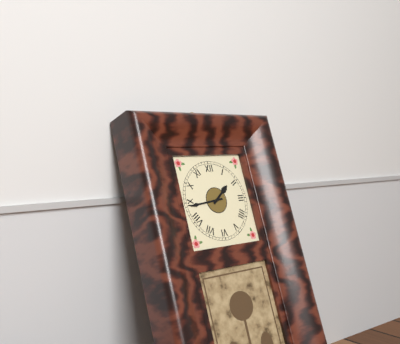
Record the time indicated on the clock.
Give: 1:44
